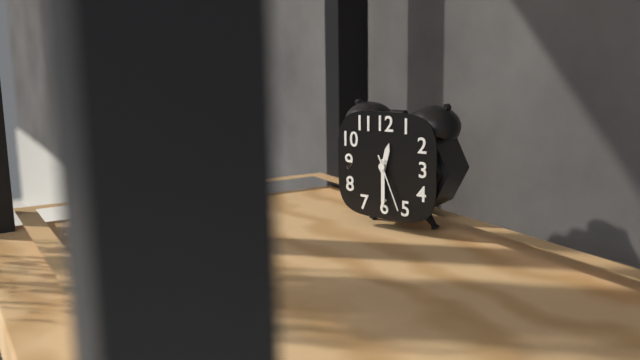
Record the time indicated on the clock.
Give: 12:30:26
